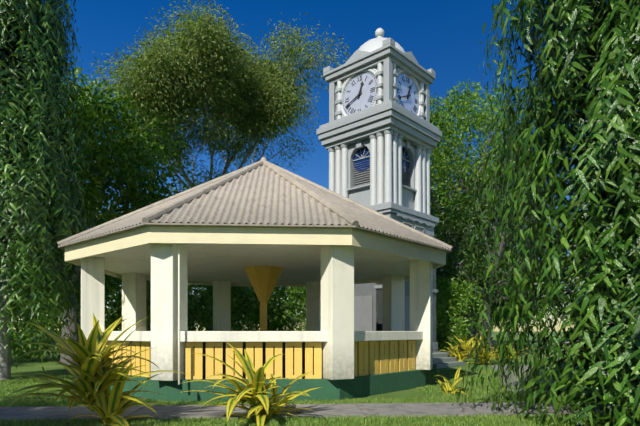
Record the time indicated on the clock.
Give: 12:41
